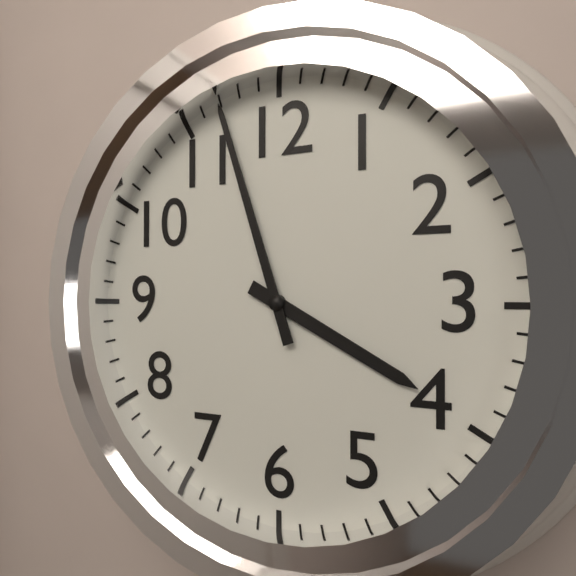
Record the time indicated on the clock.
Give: 3:57
